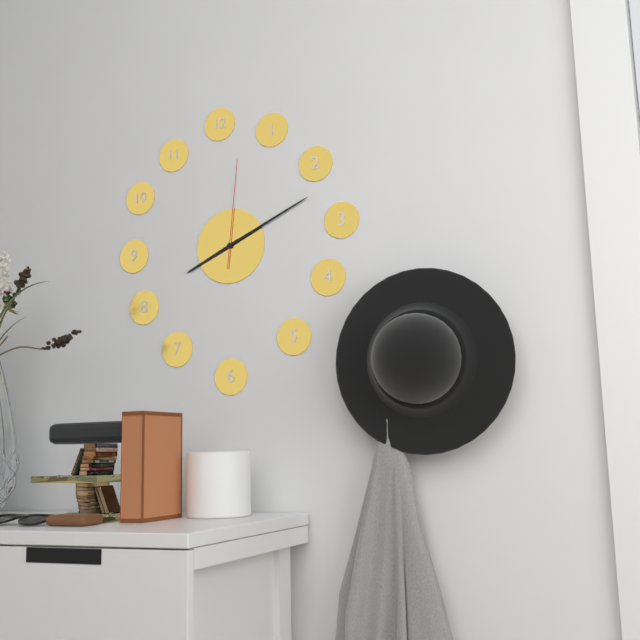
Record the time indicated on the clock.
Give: 8:11:01
